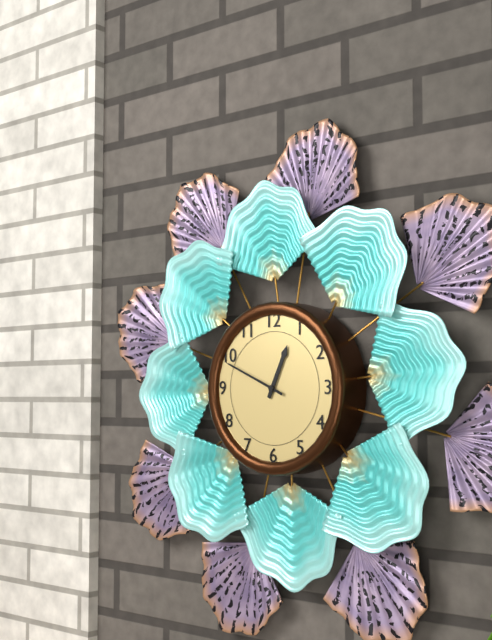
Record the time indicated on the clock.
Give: 12:49
